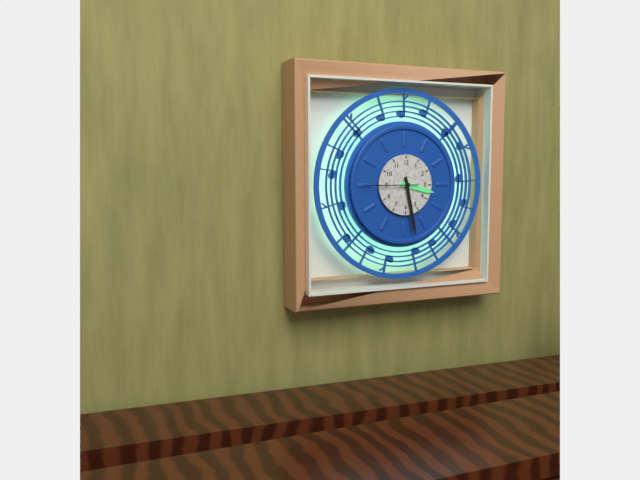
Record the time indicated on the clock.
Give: 3:28:45
